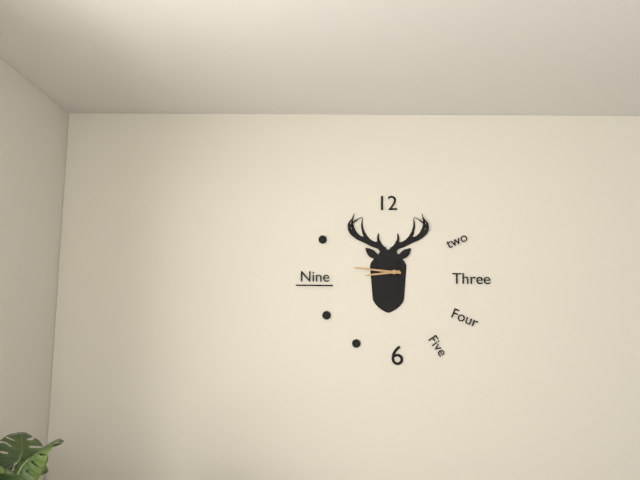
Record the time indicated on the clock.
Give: 8:46
